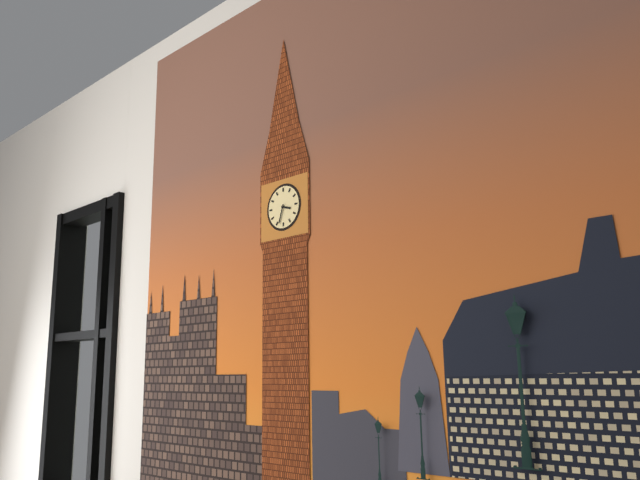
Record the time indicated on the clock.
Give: 3:33
